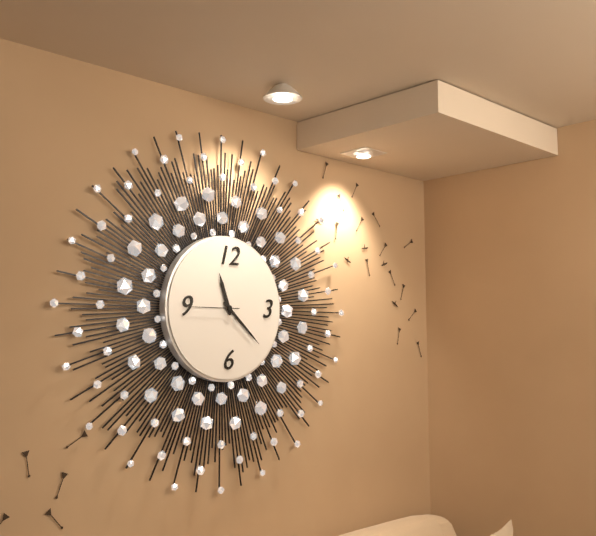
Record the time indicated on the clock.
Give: 11:22
